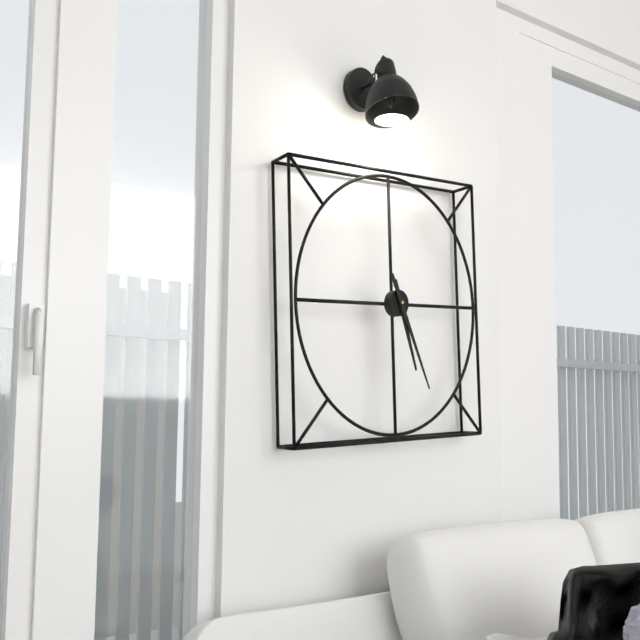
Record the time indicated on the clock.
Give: 5:26
